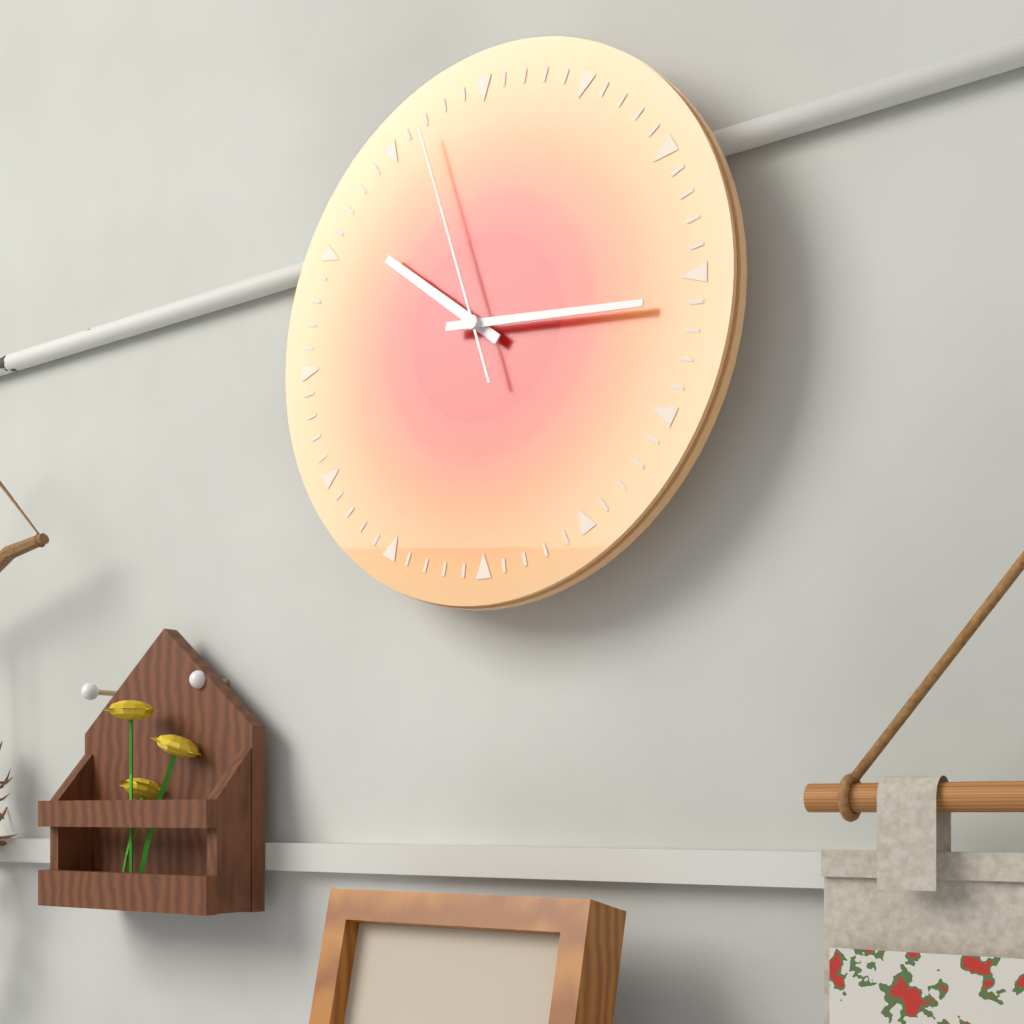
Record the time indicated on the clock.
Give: 10:16:57
